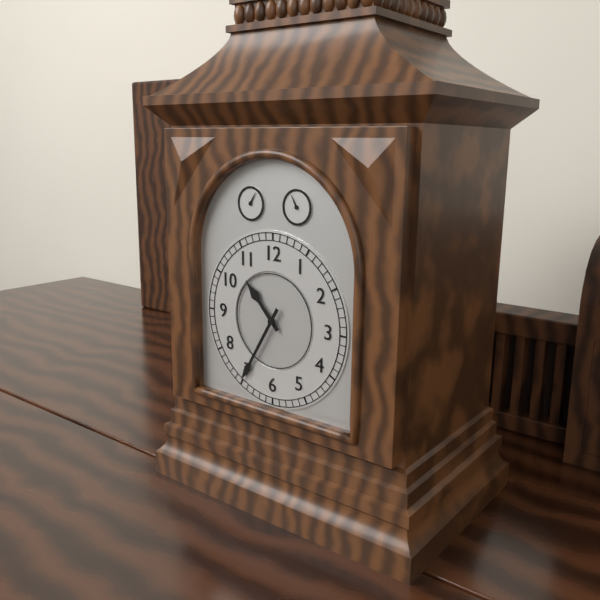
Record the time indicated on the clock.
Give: 10:35
